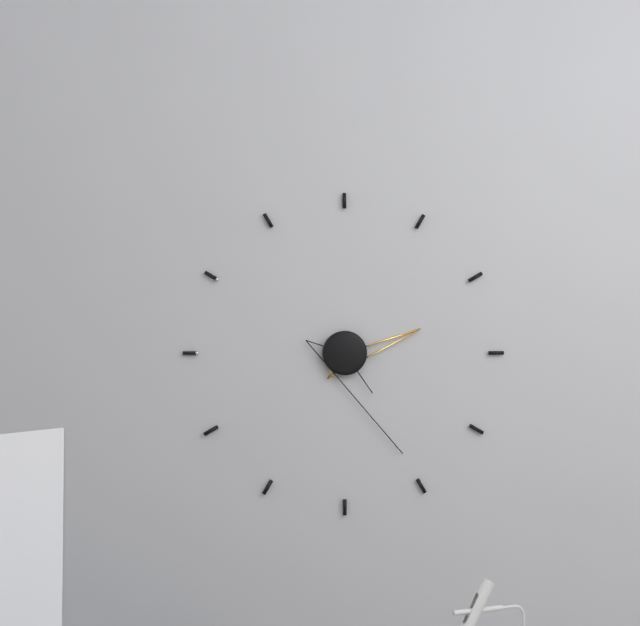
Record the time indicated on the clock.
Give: 2:25
